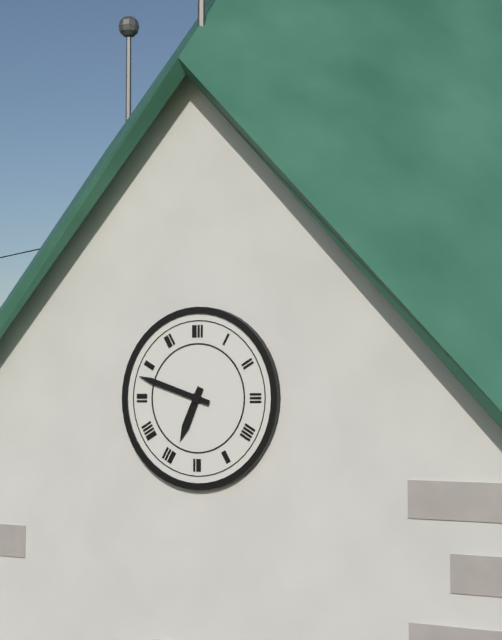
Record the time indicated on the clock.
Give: 6:48
